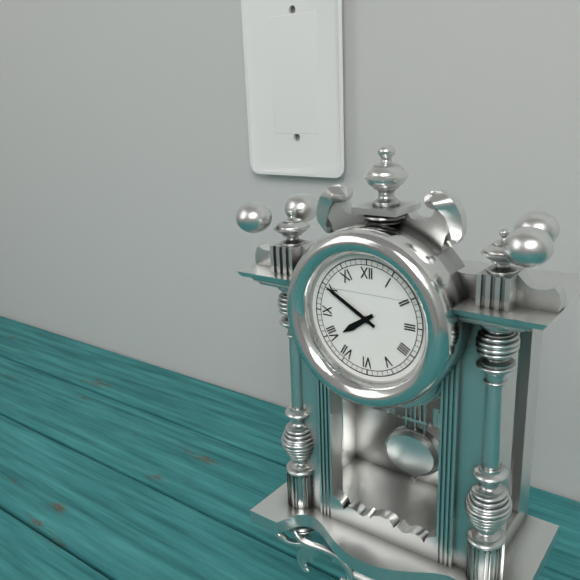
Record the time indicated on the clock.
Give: 7:50
